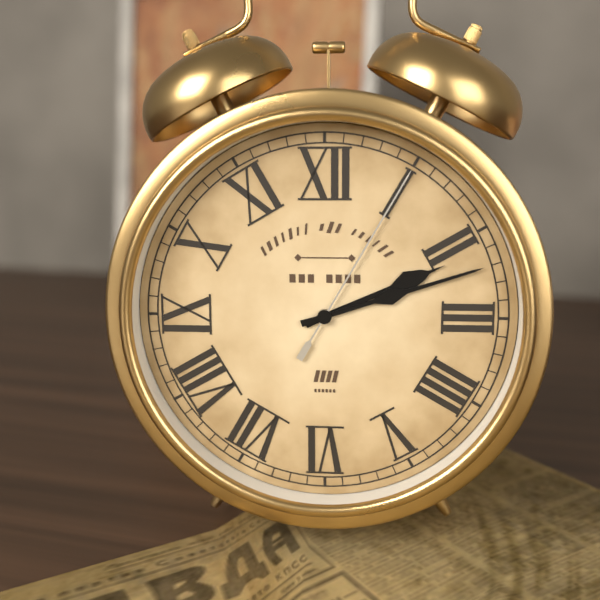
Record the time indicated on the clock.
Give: 2:12:05
